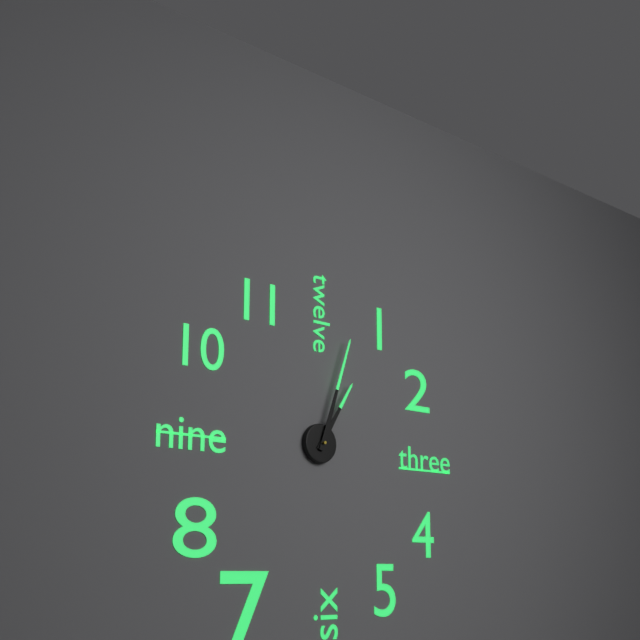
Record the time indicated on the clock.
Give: 1:03
